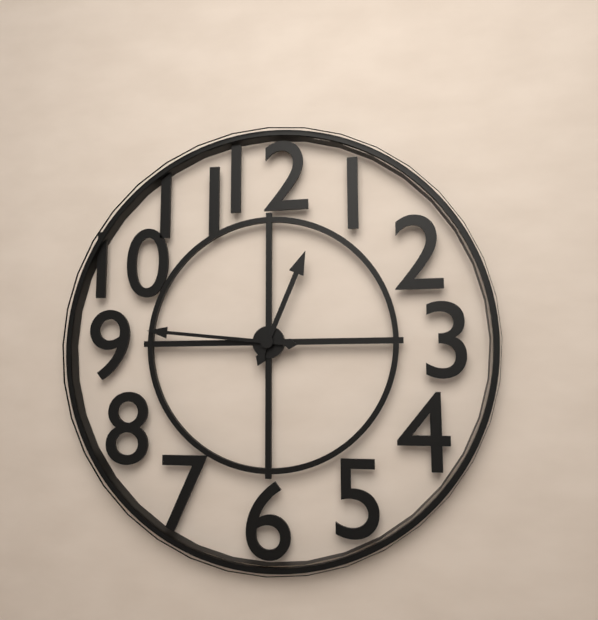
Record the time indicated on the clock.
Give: 12:46
